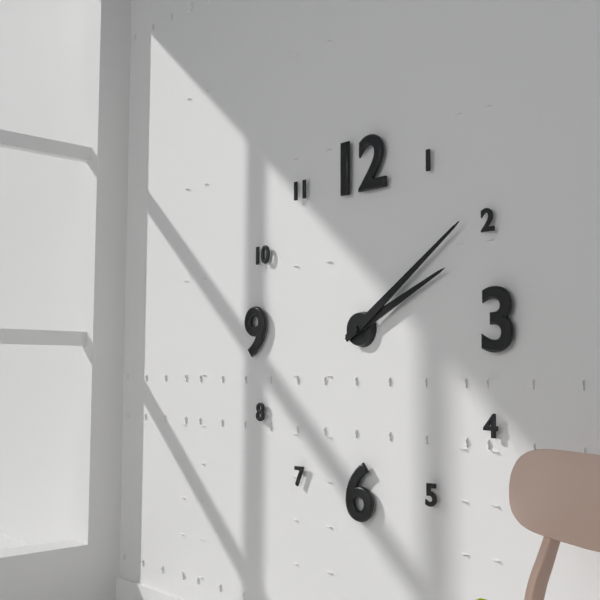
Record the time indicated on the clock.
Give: 2:09
